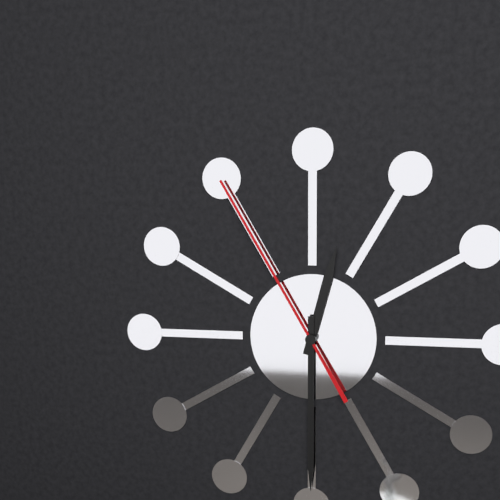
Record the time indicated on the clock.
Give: 12:30:55
